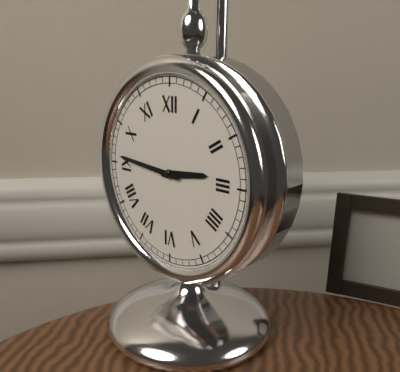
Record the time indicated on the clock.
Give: 2:46
